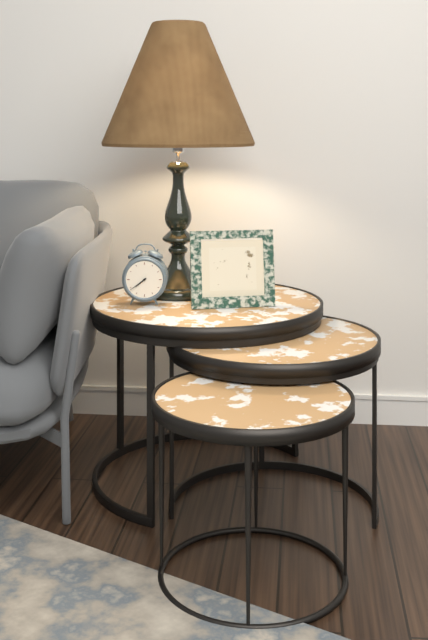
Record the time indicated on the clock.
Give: 7:39
